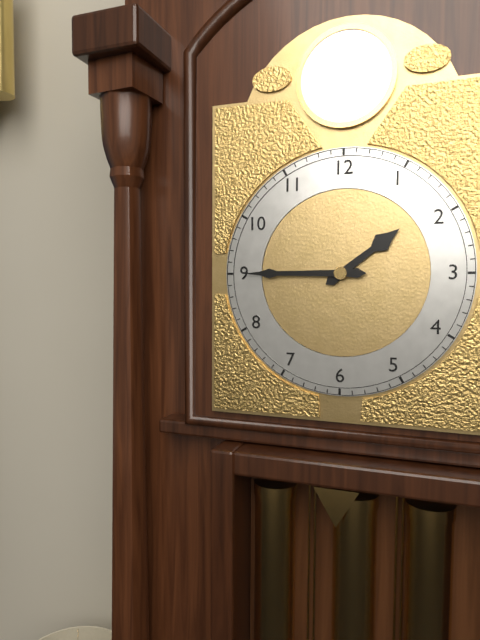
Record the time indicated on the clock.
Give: 1:45
